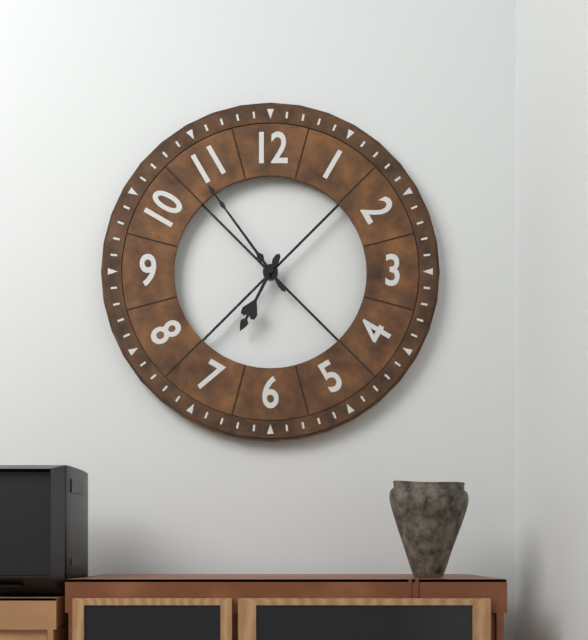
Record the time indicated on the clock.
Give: 6:54
